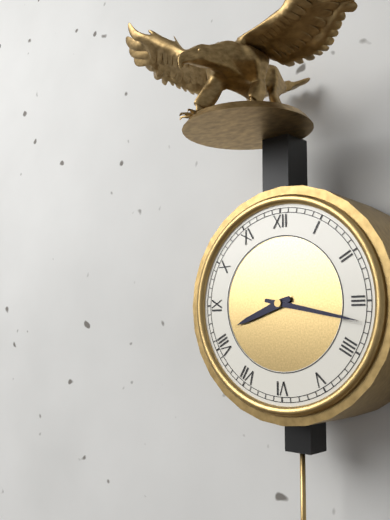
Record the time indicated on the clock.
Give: 8:17
